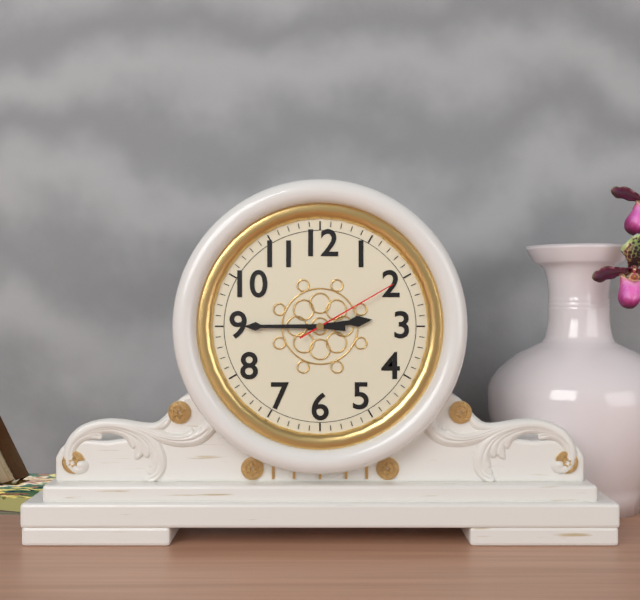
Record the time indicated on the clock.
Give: 2:45:10
